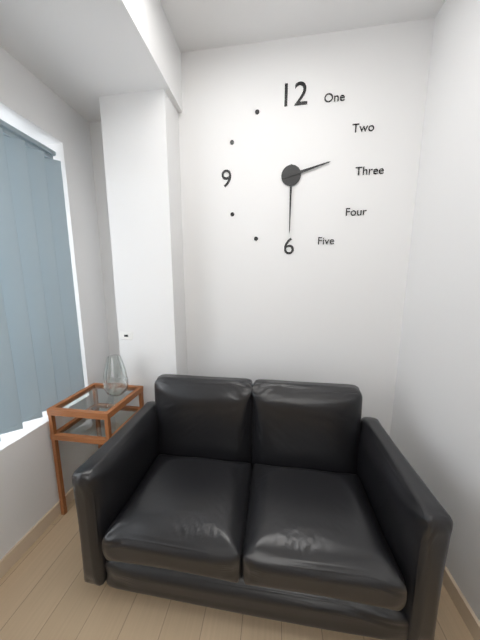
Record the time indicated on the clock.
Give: 2:30
